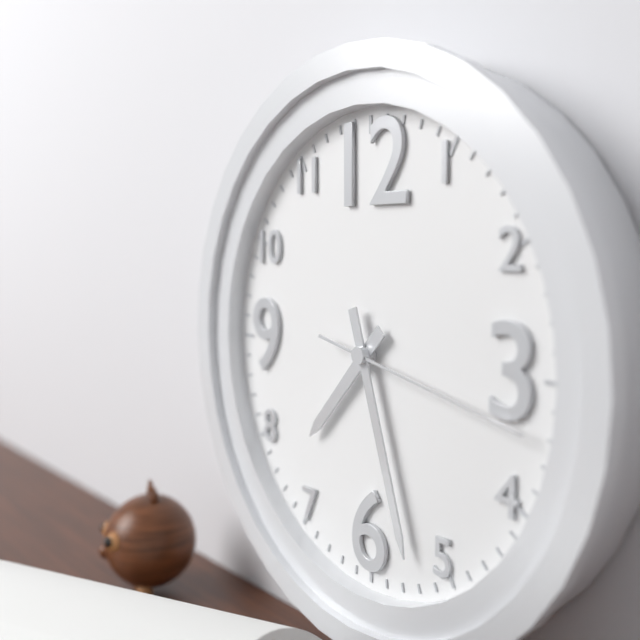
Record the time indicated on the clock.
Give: 7:27:17
